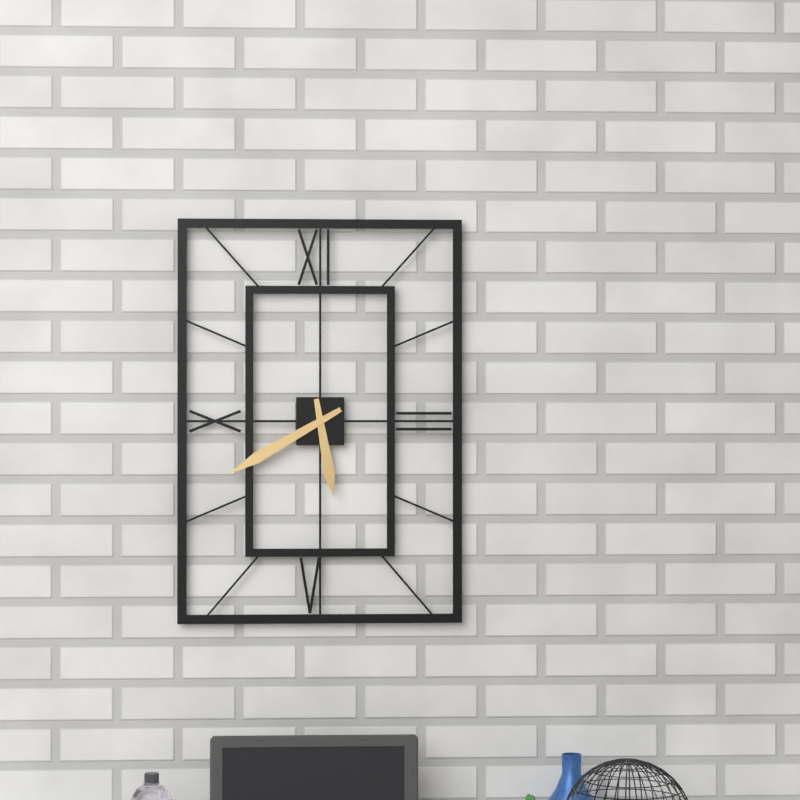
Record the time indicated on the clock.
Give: 5:40
